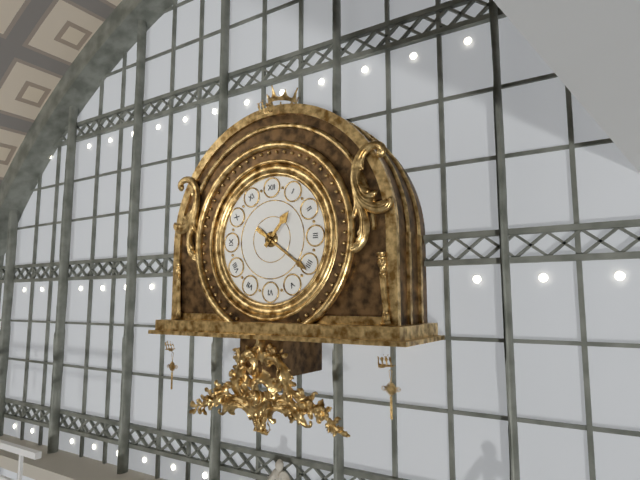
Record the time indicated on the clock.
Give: 1:21
